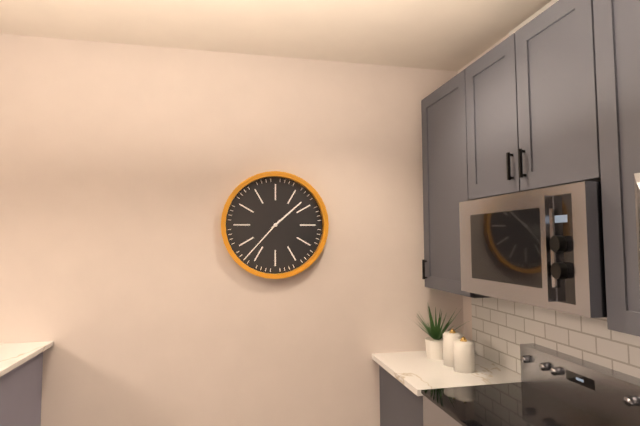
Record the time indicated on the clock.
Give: 1:37
